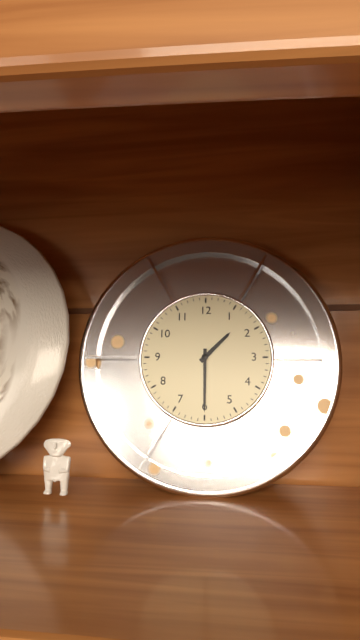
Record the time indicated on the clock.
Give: 1:30
